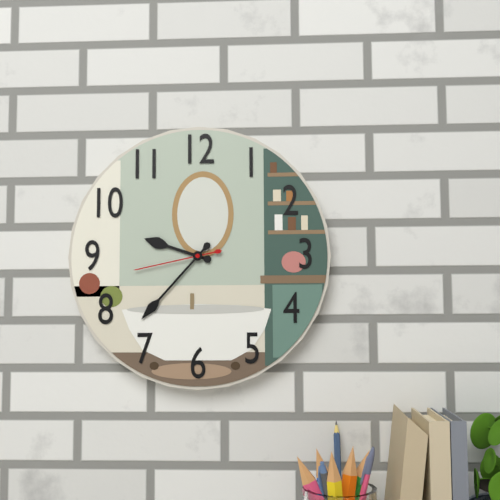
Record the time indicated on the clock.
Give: 9:37:43
